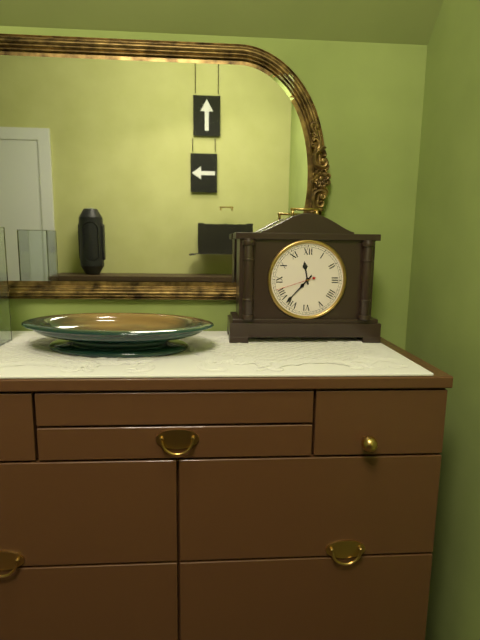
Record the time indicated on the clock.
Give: 11:37
